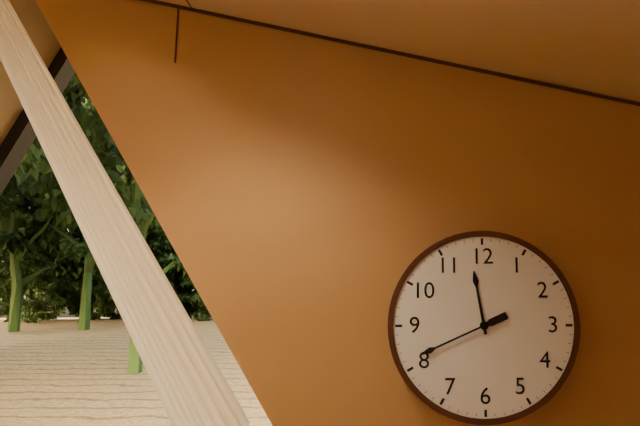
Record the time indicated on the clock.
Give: 11:41
